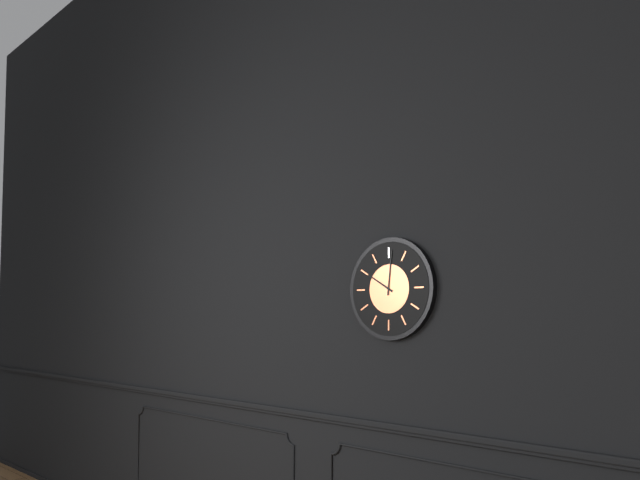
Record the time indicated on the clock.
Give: 10:01
